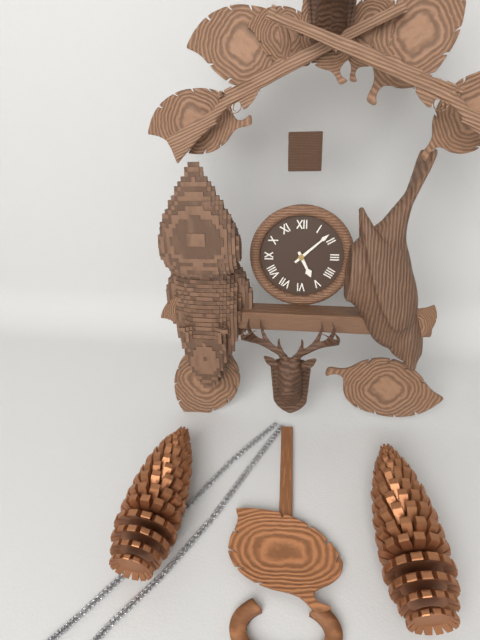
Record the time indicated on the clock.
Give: 5:08
